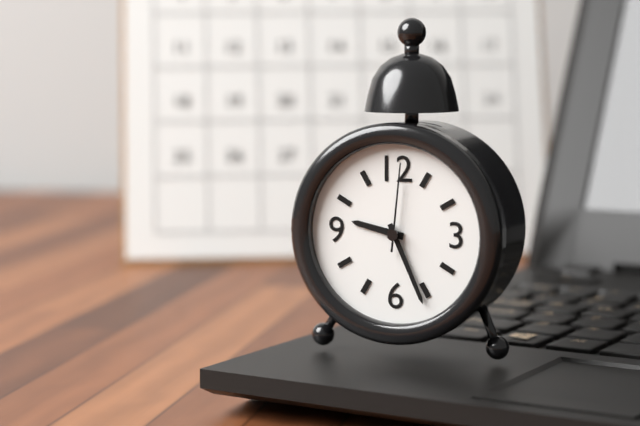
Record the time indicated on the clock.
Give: 9:26:01
